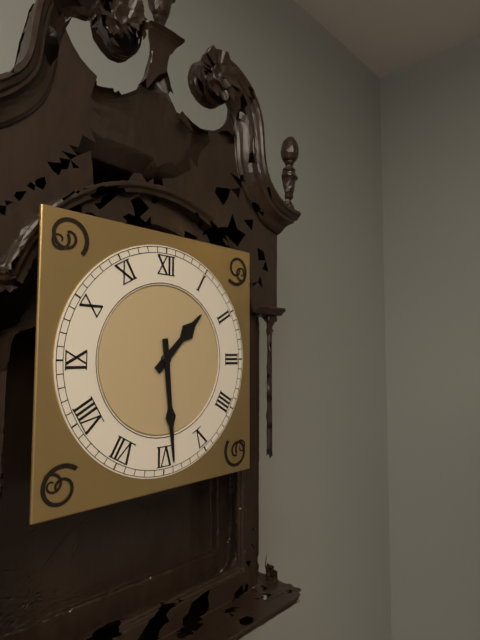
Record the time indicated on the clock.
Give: 1:29
